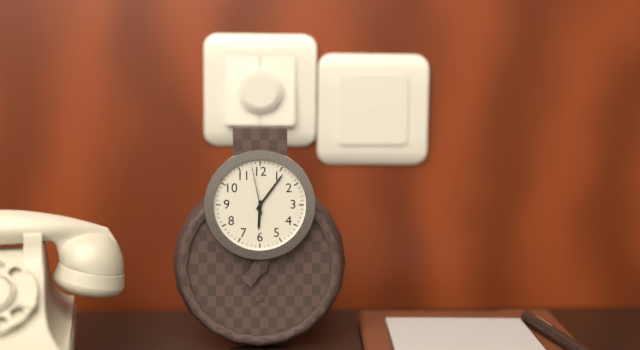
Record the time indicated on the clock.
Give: 6:06:58
